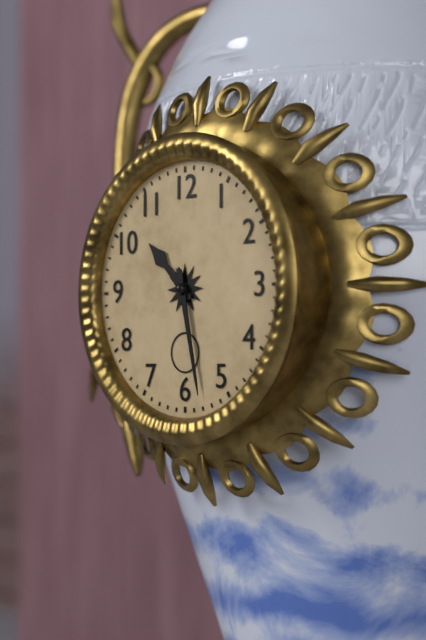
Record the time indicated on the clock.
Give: 10:28
